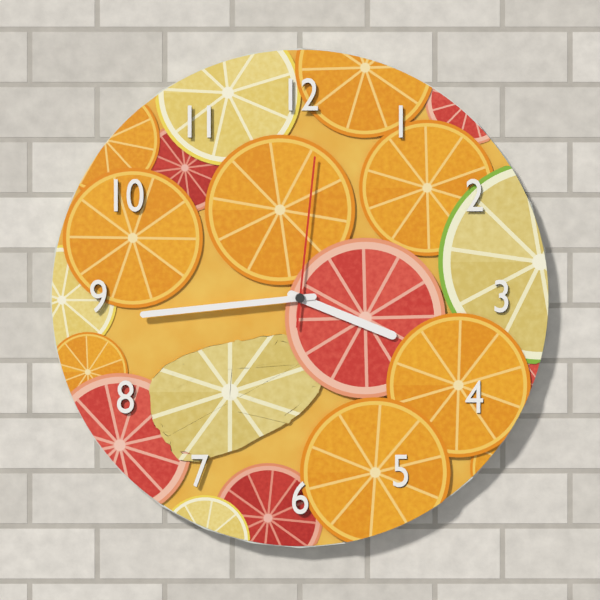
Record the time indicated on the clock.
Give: 3:44:01
